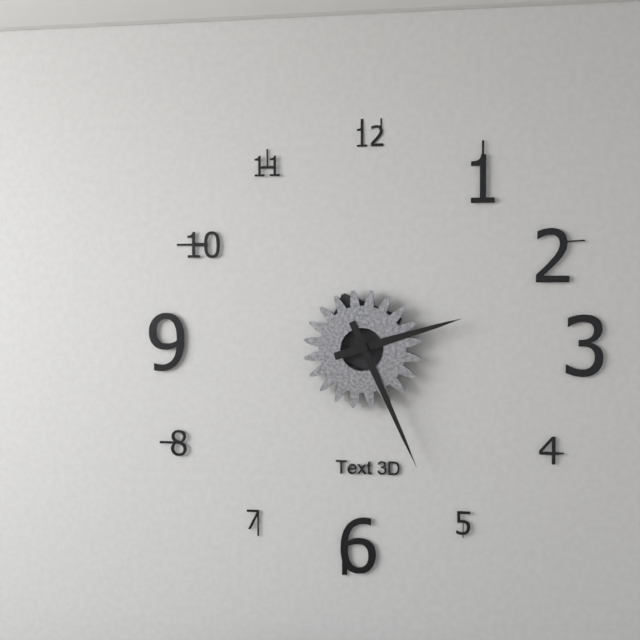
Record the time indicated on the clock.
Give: 2:26
